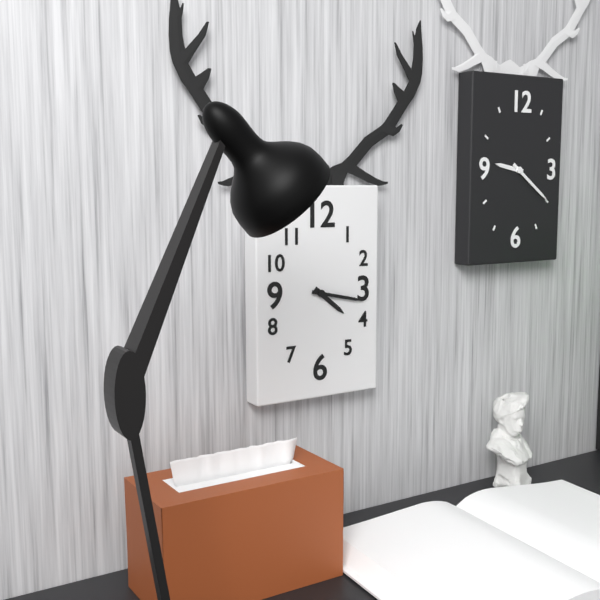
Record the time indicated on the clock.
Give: 4:17
